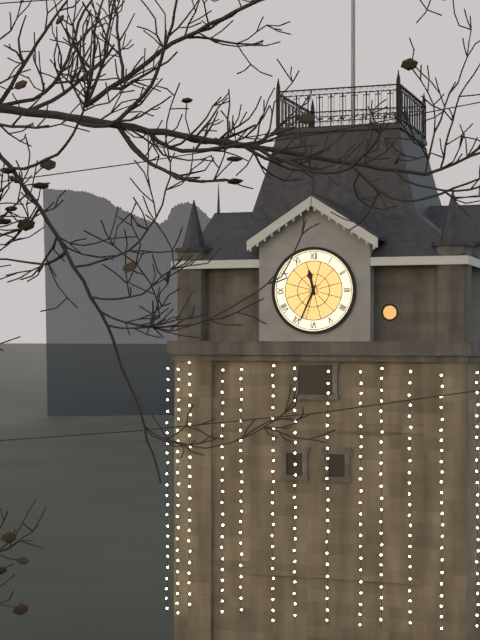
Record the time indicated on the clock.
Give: 11:34
